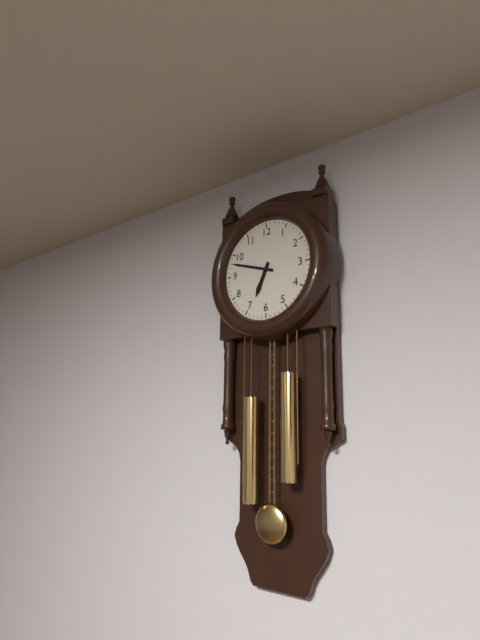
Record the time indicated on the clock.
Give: 6:48
